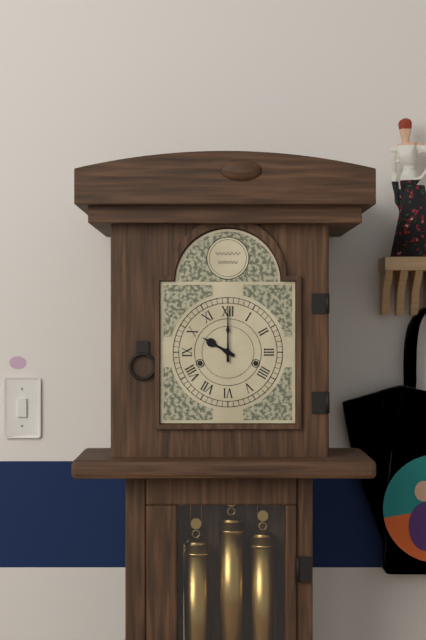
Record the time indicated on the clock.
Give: 10:00
